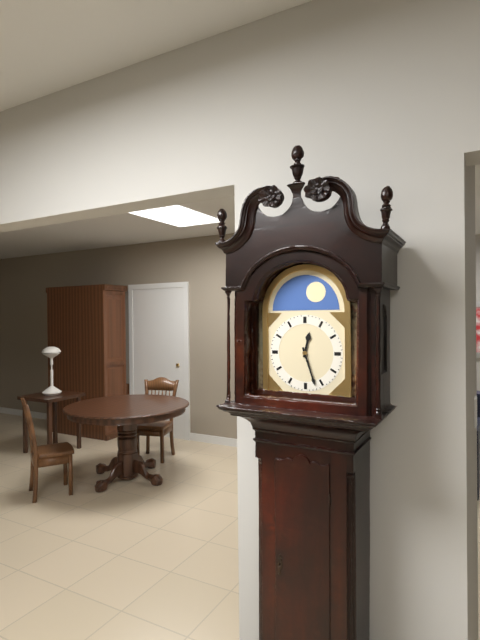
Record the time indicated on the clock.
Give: 12:27
